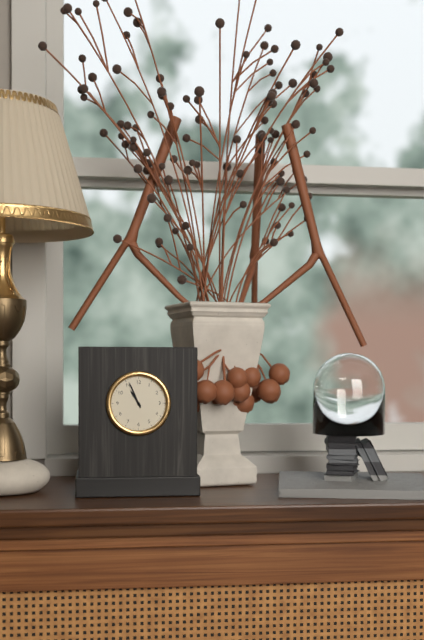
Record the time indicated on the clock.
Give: 10:56
